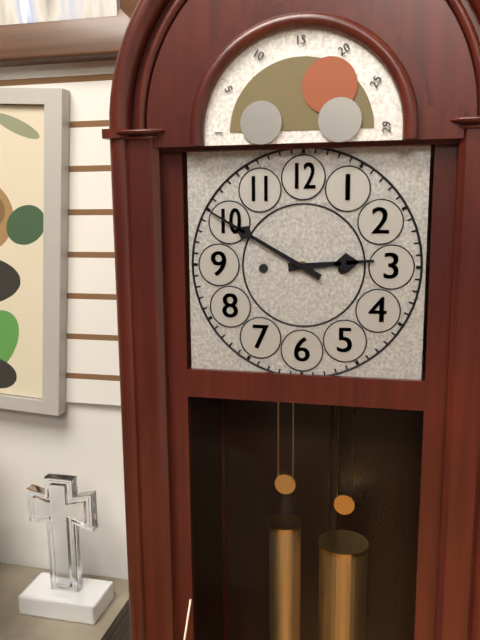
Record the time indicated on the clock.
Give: 2:50
